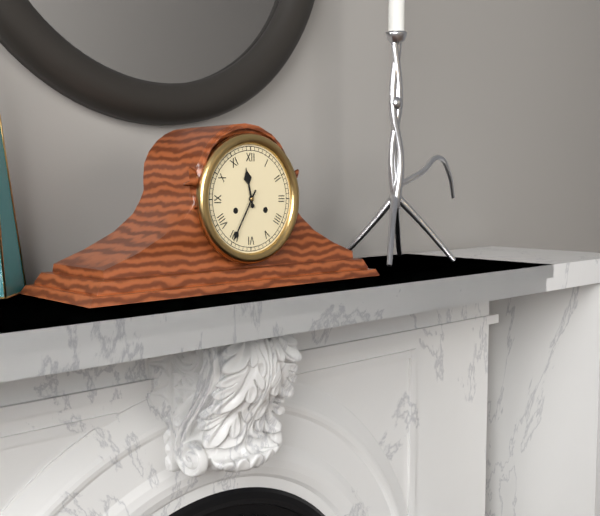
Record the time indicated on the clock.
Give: 11:35
